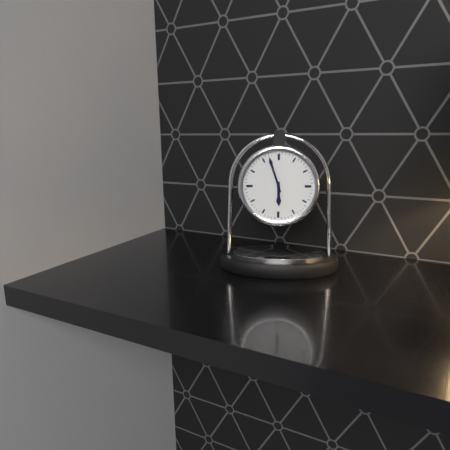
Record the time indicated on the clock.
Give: 5:57
